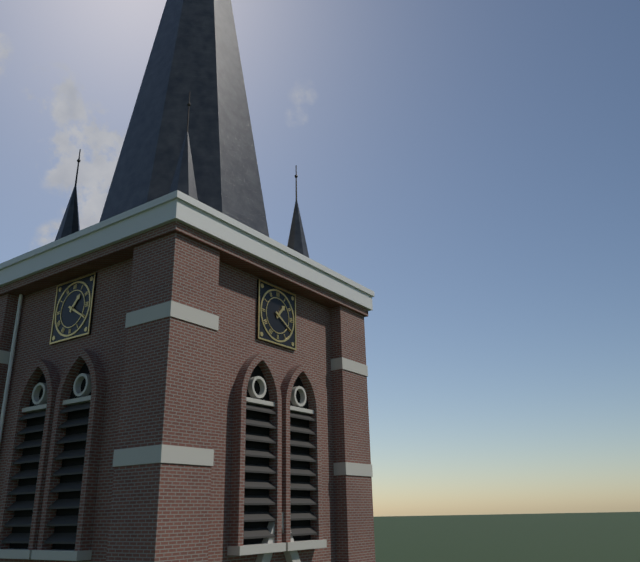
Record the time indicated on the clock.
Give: 1:20
